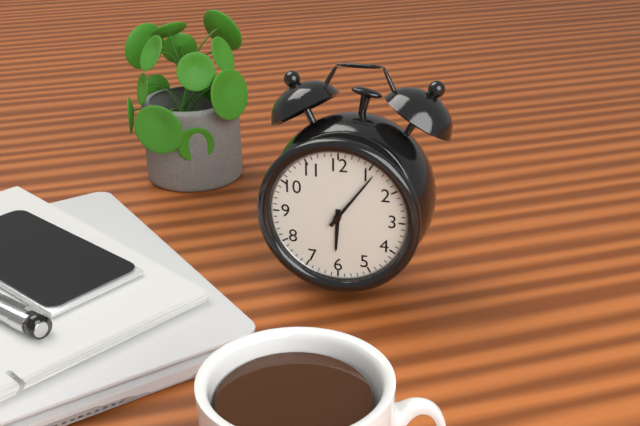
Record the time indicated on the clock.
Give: 6:06
